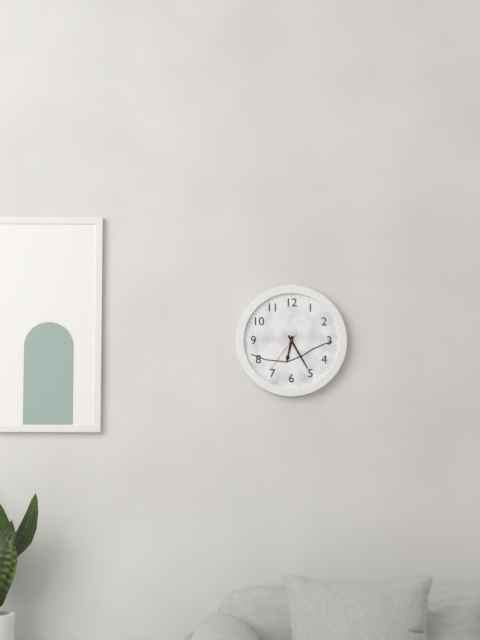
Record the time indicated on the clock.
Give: 6:25
